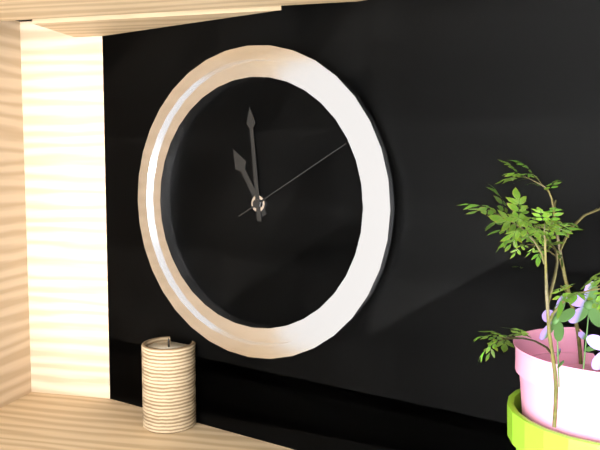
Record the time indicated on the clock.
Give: 10:59:10
